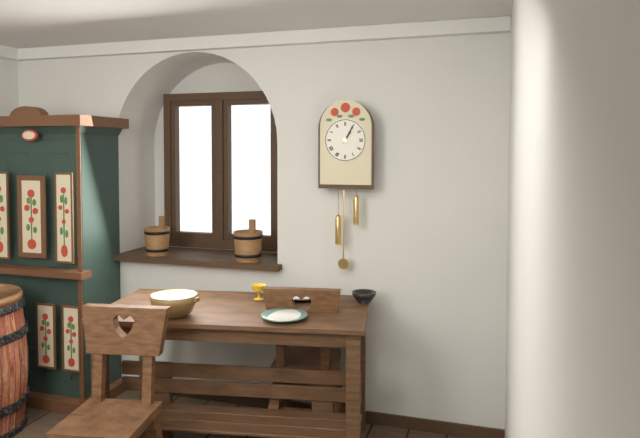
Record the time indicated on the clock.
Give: 1:05
